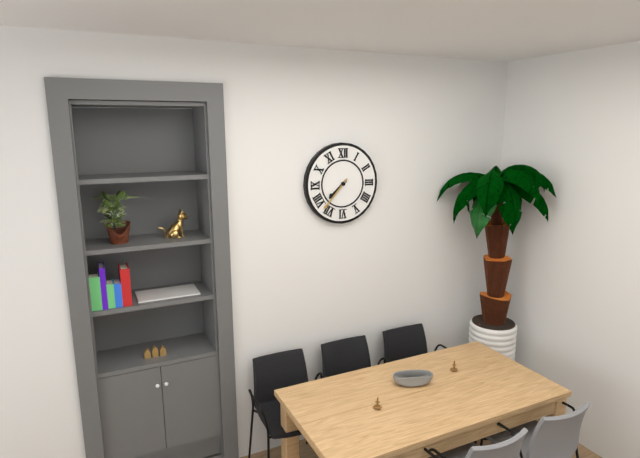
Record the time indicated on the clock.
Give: 7:37
